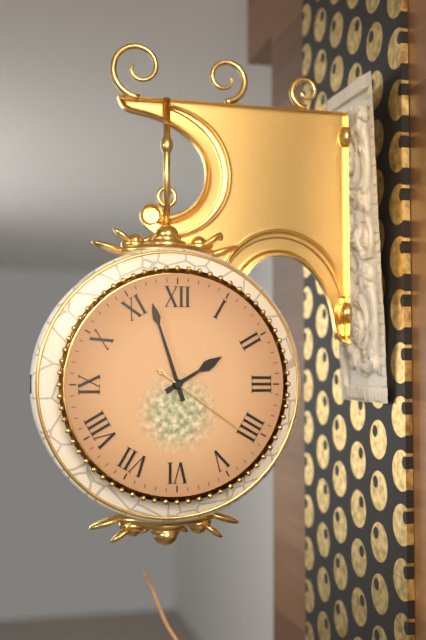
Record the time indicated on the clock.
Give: 1:57:21
